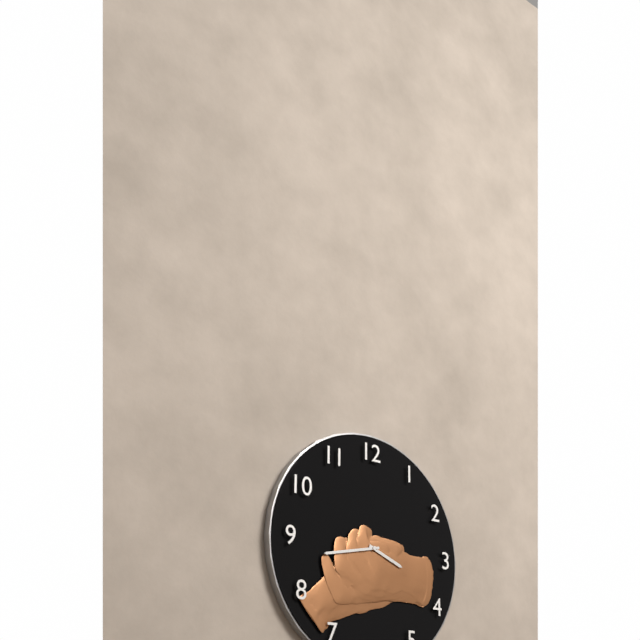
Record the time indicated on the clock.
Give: 3:43
